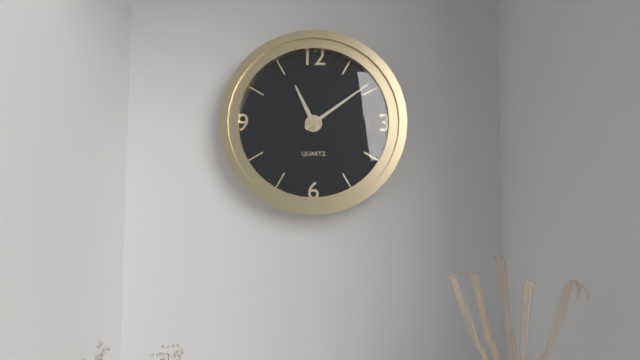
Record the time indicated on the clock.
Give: 11:09
